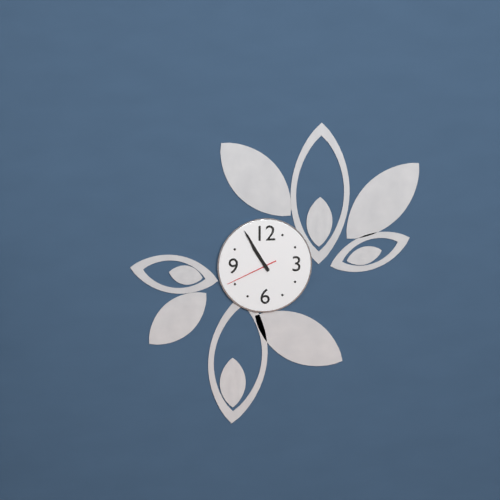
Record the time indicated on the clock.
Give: 10:55:41
